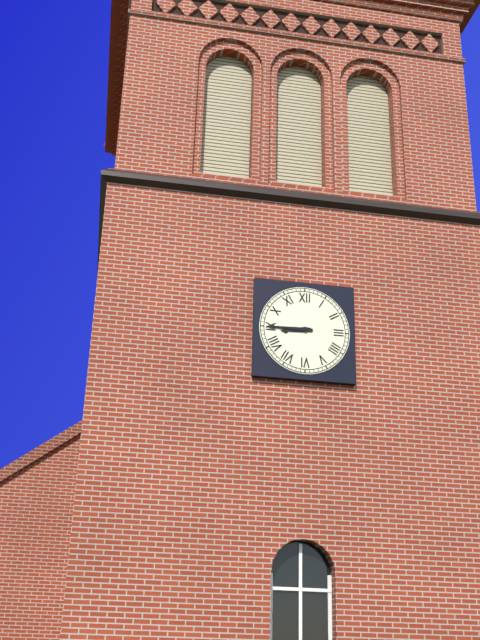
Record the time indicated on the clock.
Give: 8:45
